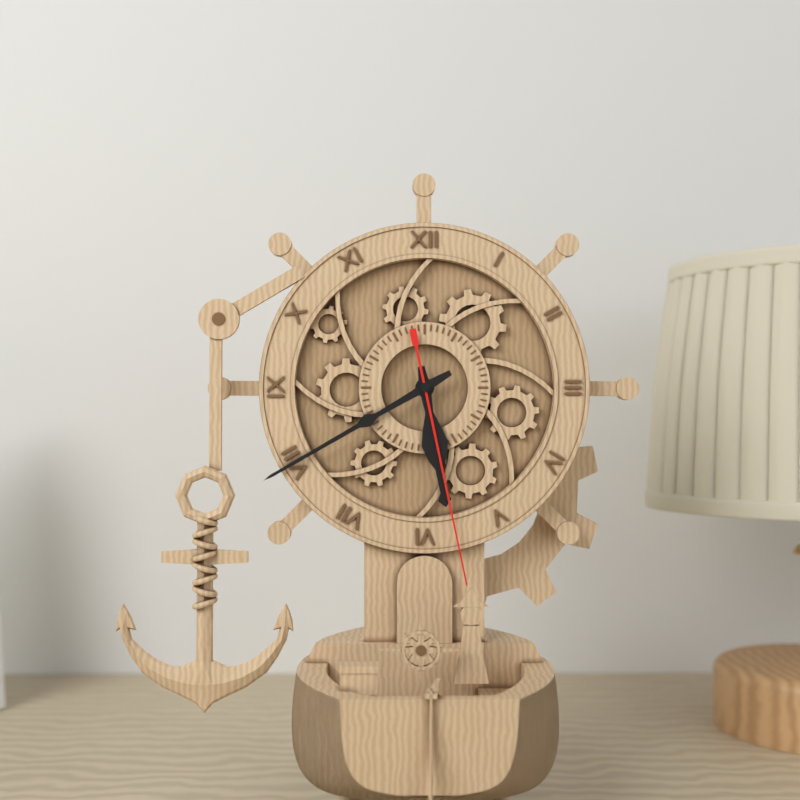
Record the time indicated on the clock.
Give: 5:40:28
